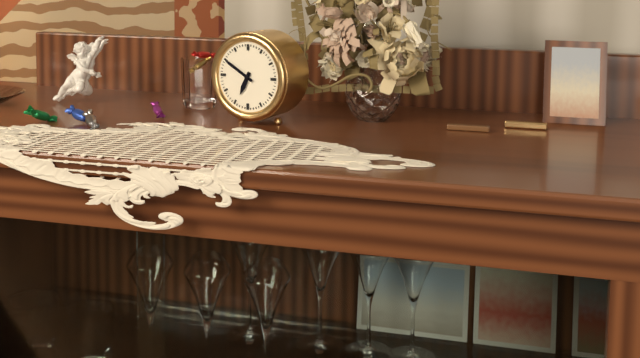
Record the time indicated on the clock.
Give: 6:50
